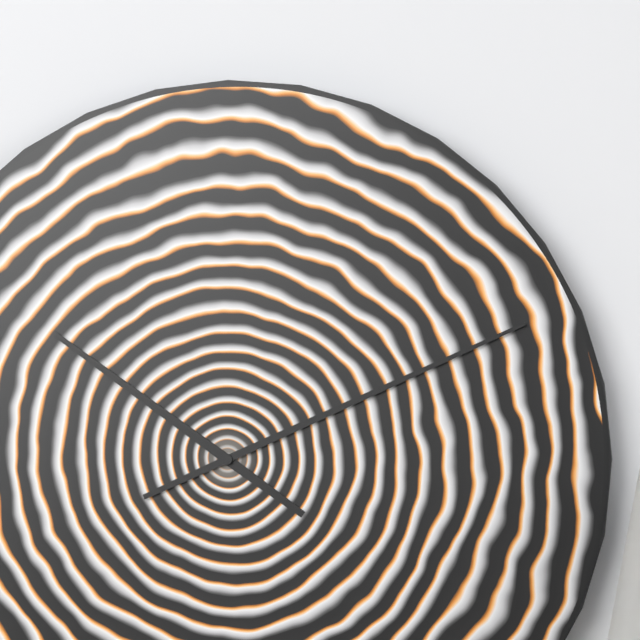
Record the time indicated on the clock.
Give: 10:11
